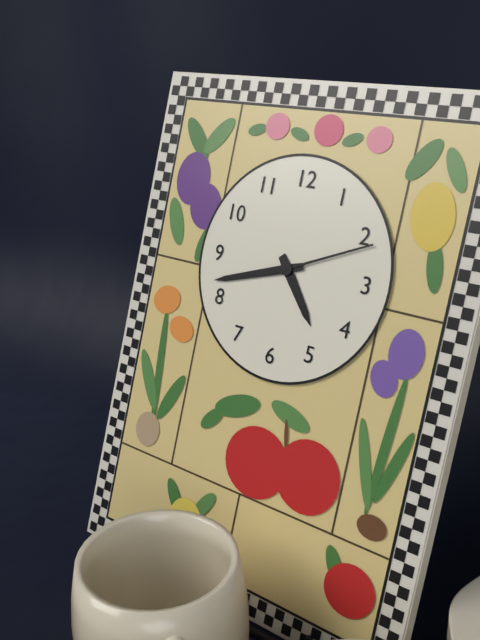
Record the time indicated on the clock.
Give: 4:42:11
